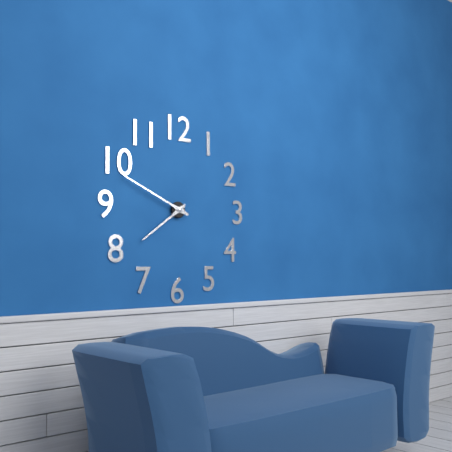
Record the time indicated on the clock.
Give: 7:49
